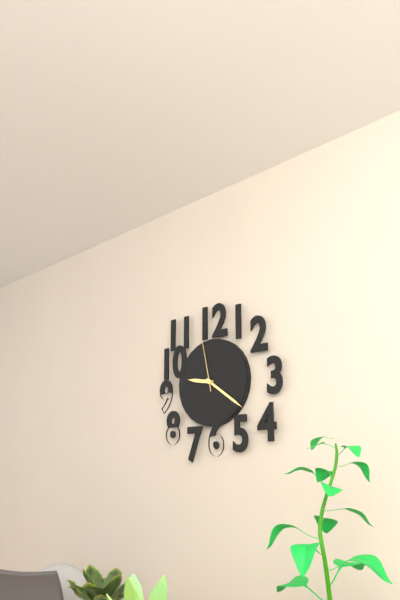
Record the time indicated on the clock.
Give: 9:21:58
